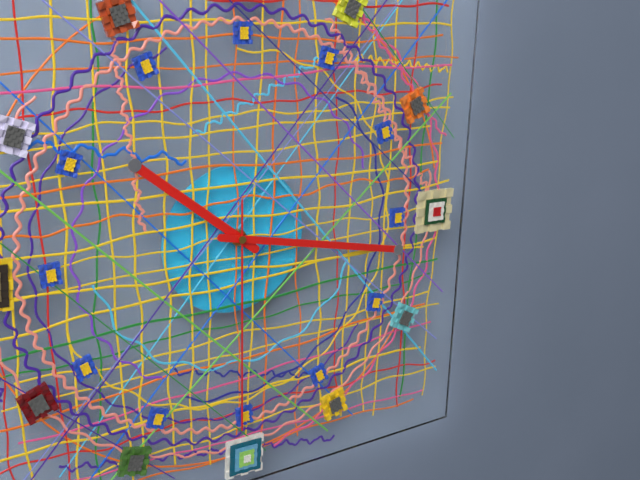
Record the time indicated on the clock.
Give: 10:17:30
